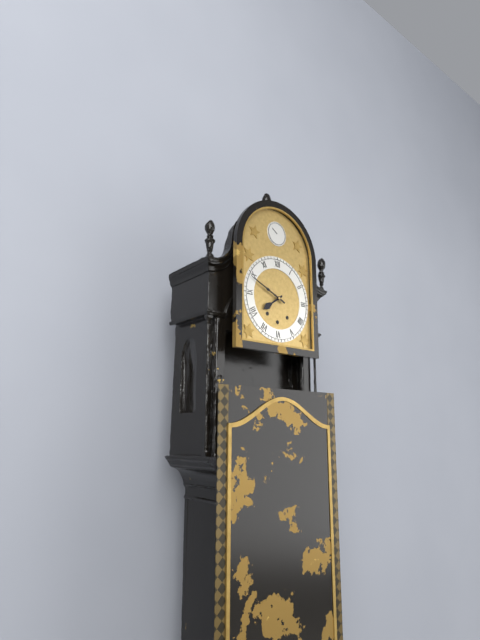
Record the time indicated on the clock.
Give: 7:49
